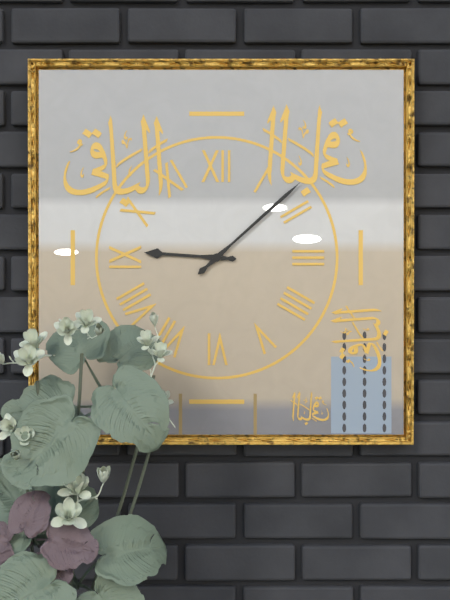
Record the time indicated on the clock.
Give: 9:08
